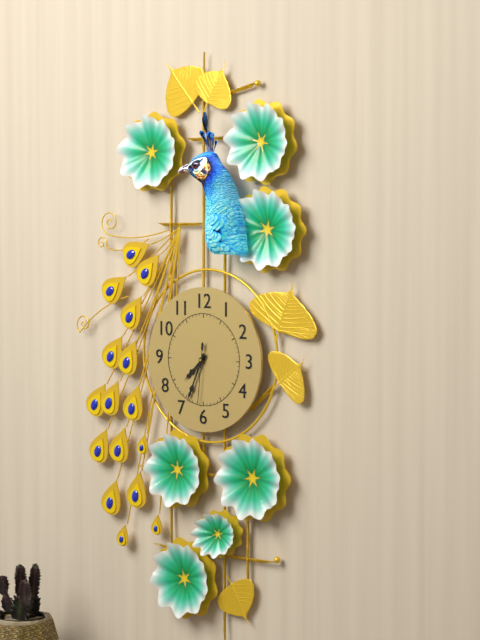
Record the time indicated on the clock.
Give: 7:34:31
